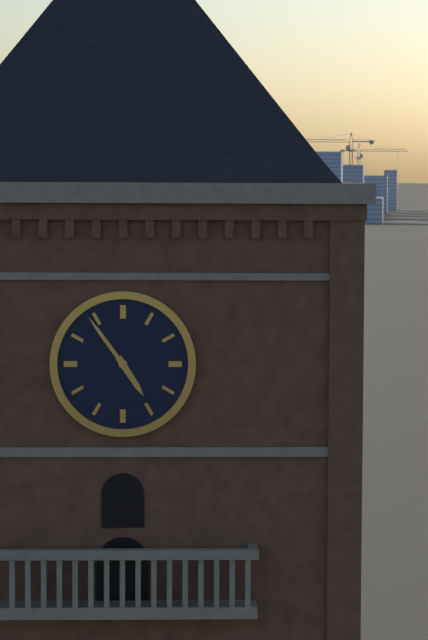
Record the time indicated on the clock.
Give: 4:54
